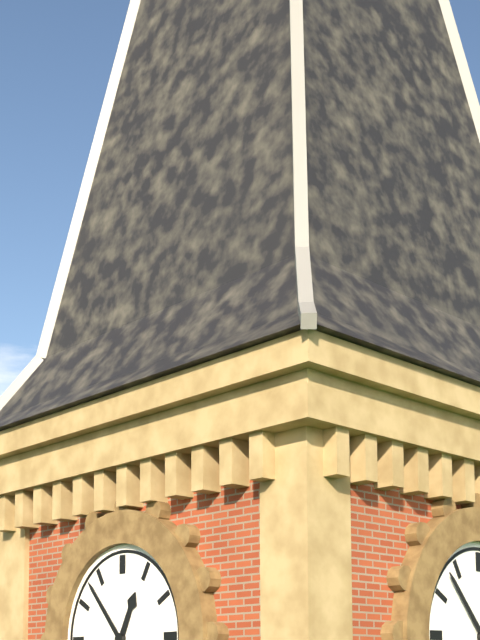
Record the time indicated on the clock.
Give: 12:53
